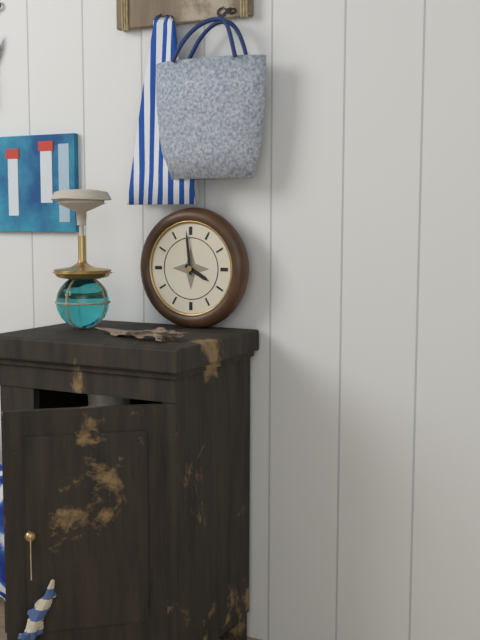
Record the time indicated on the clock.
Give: 3:59
